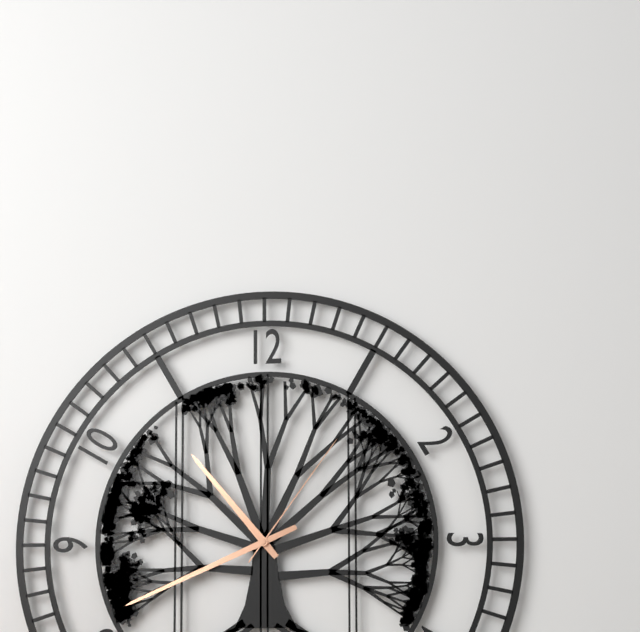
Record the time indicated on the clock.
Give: 10:41:06
